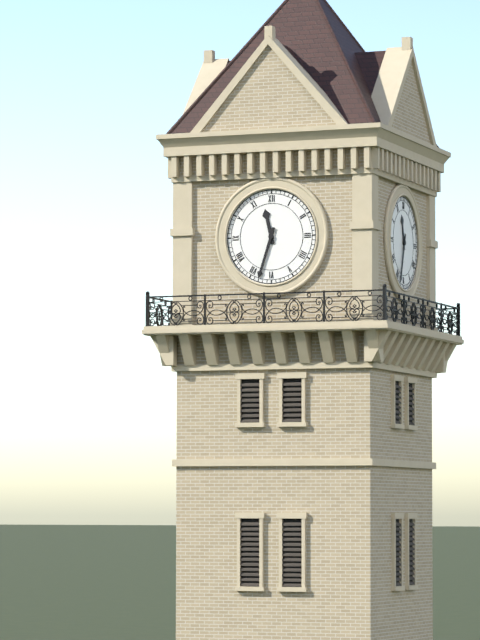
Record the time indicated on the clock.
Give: 11:33
